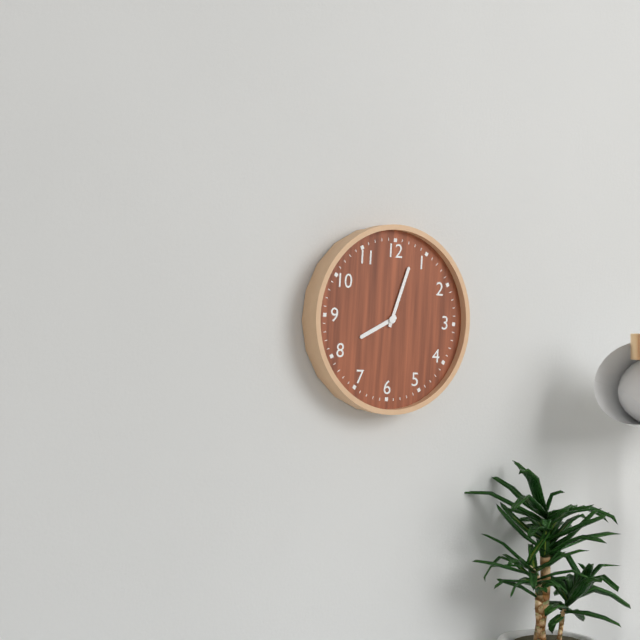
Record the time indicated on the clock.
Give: 8:03
